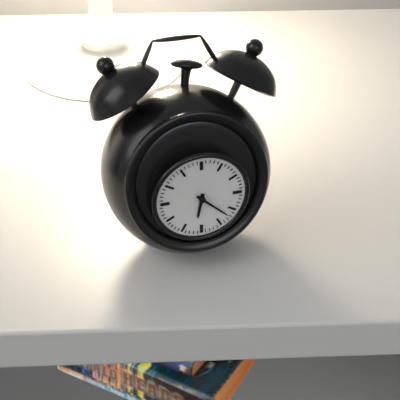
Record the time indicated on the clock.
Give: 6:22
